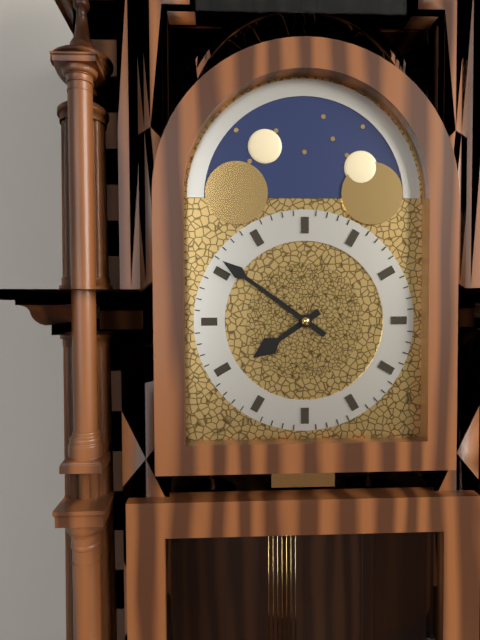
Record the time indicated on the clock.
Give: 7:51
